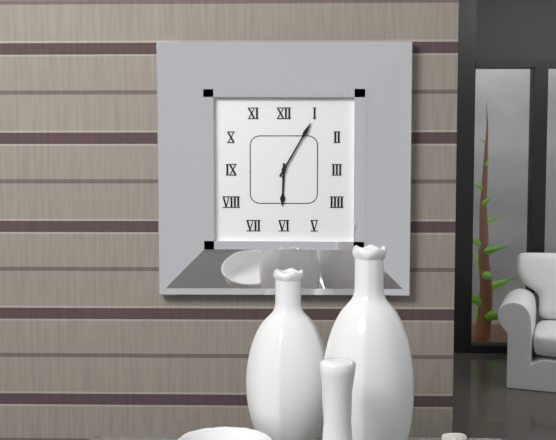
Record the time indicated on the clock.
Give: 6:05
